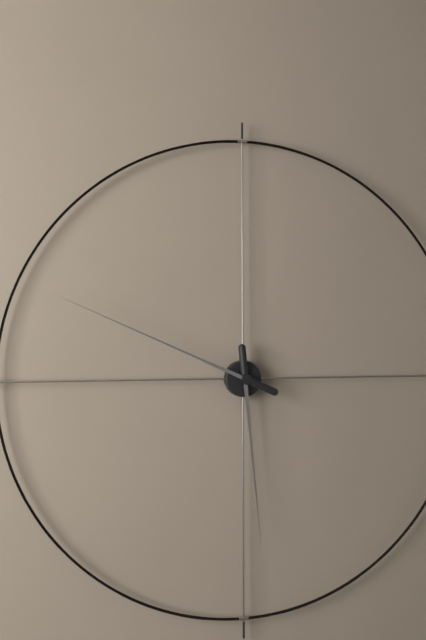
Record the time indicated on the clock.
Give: 5:49
